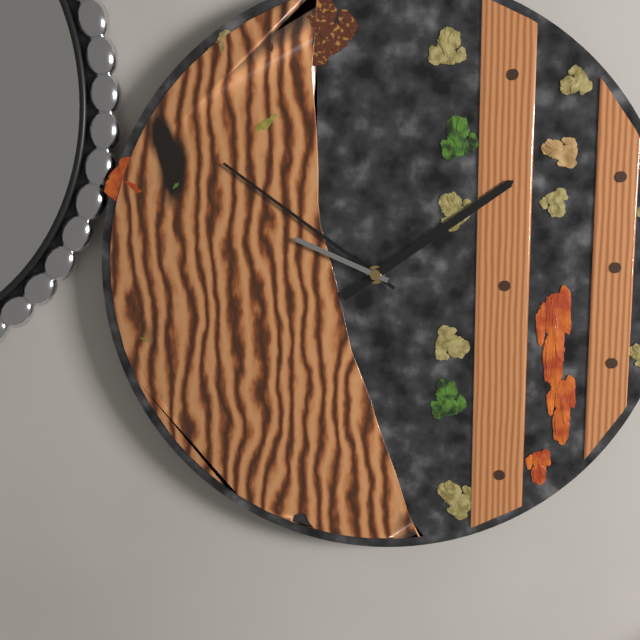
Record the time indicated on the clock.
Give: 1:51:49
